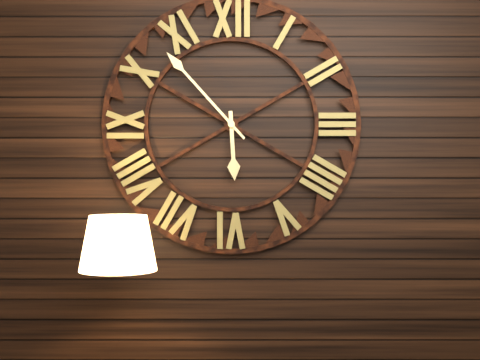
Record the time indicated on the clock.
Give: 5:53
